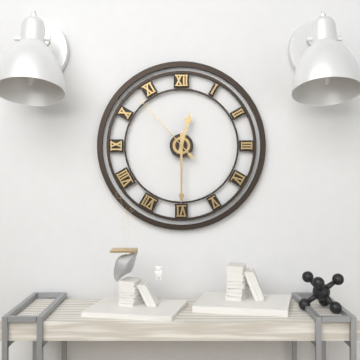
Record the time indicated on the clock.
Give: 12:30:53
